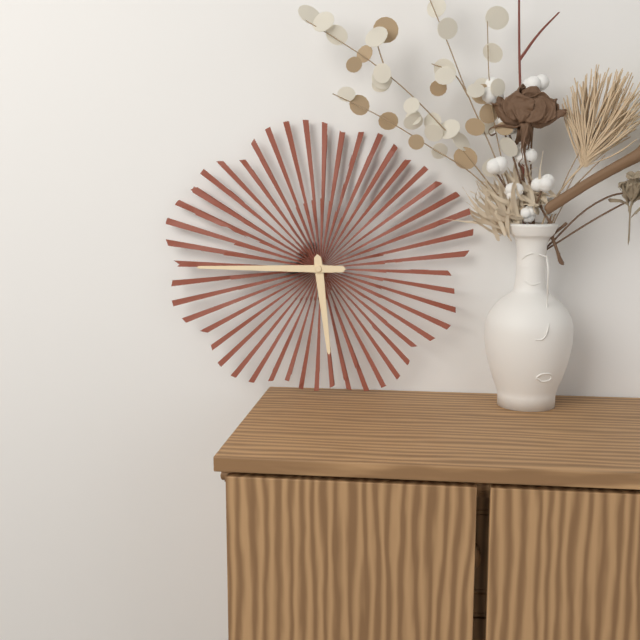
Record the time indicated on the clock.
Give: 5:45
